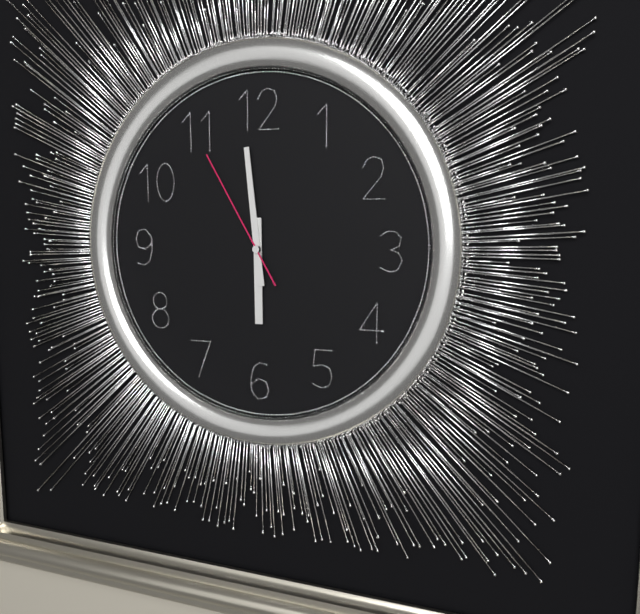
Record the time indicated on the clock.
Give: 5:59:55
